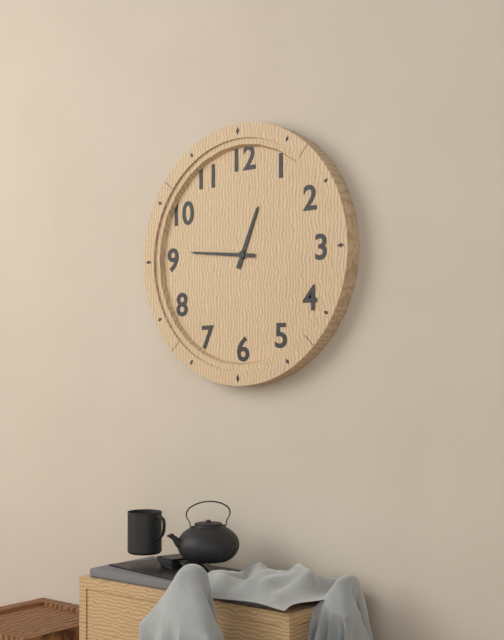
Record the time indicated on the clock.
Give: 12:46
